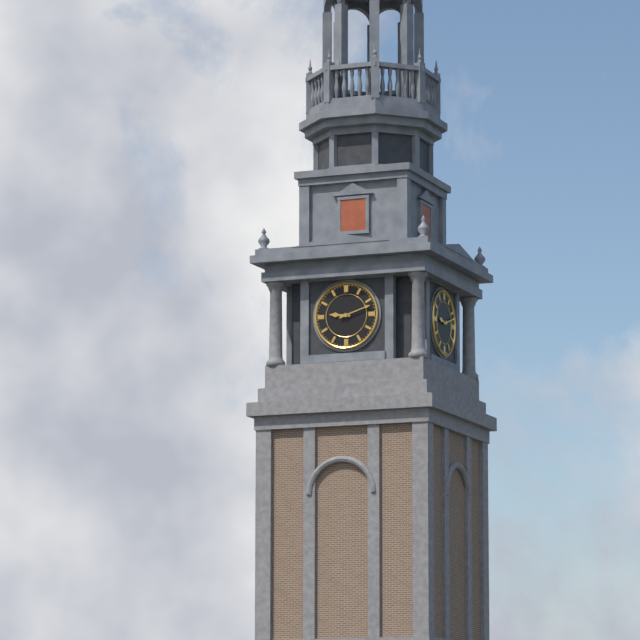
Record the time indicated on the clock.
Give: 9:12
